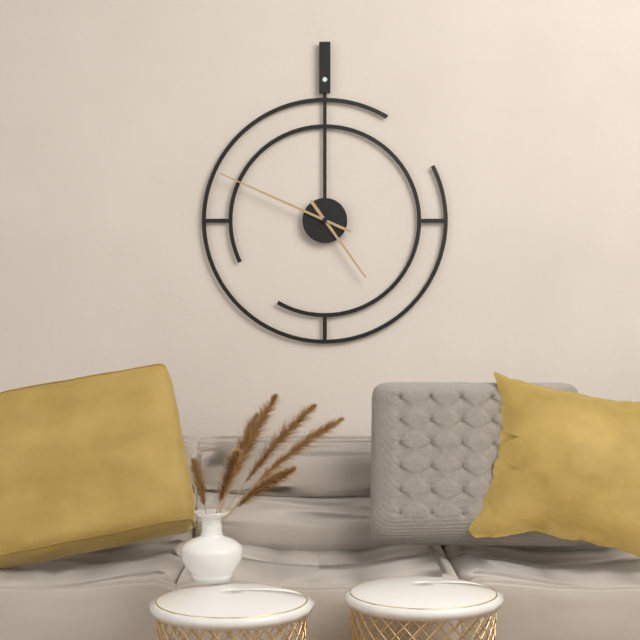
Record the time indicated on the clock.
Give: 4:49
